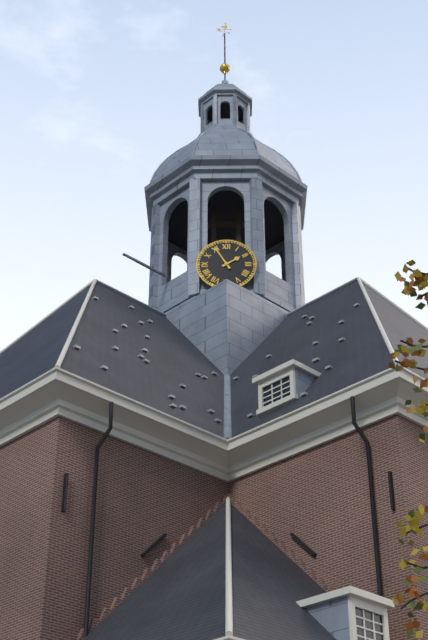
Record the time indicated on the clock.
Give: 1:55
